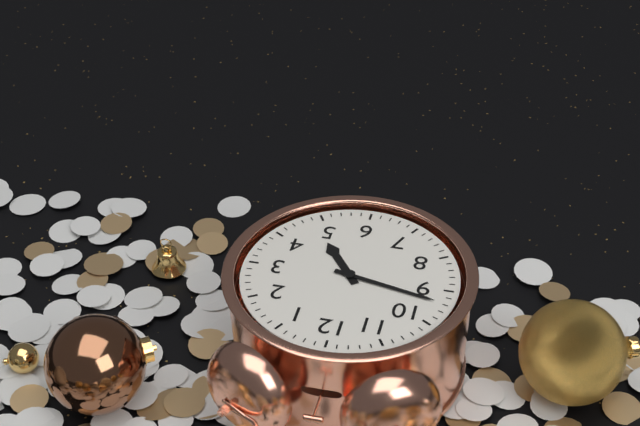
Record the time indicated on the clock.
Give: 4:47
